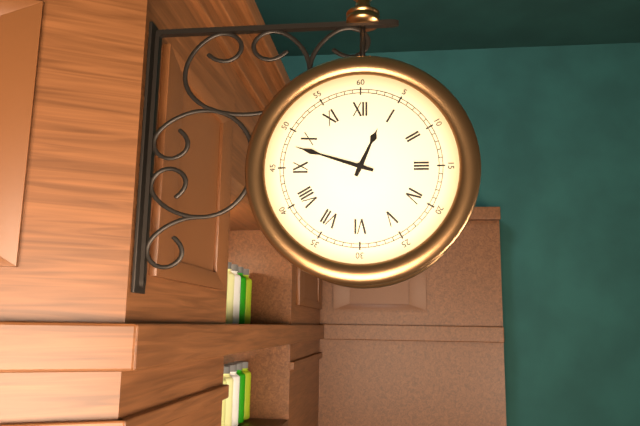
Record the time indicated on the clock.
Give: 12:48
